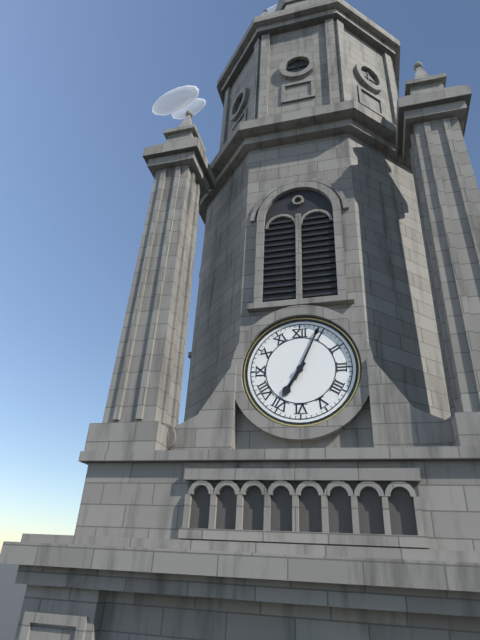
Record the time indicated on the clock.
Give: 7:04
